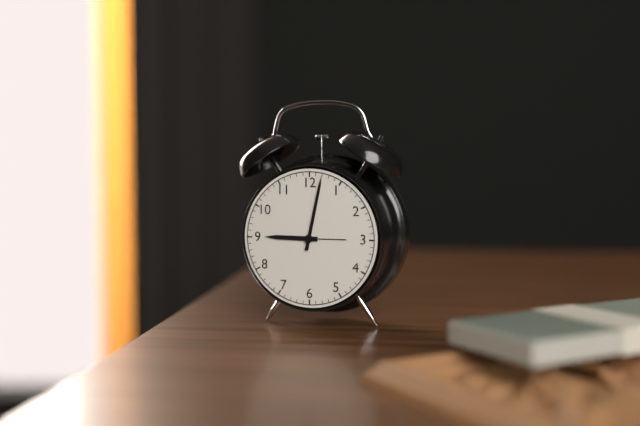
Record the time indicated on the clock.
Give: 9:02
